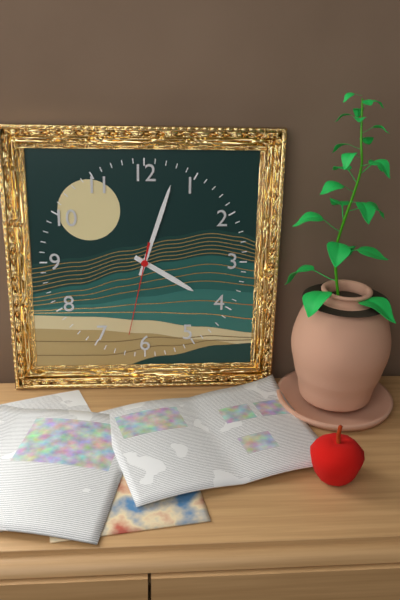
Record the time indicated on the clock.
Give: 4:03:32
